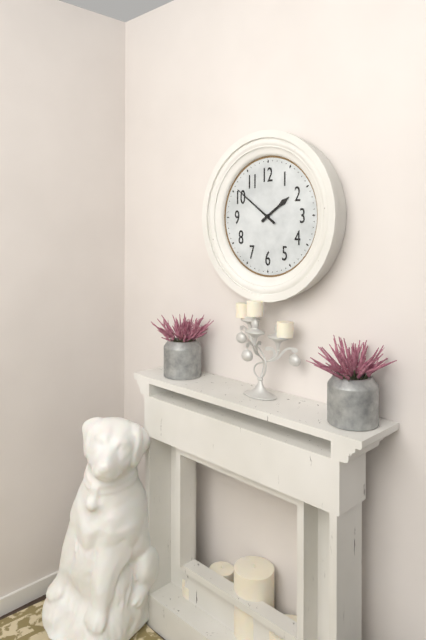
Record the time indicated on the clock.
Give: 1:51
